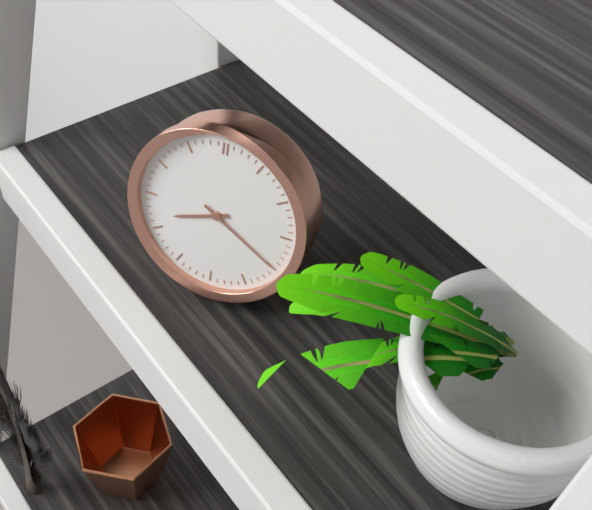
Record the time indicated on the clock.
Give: 8:20
